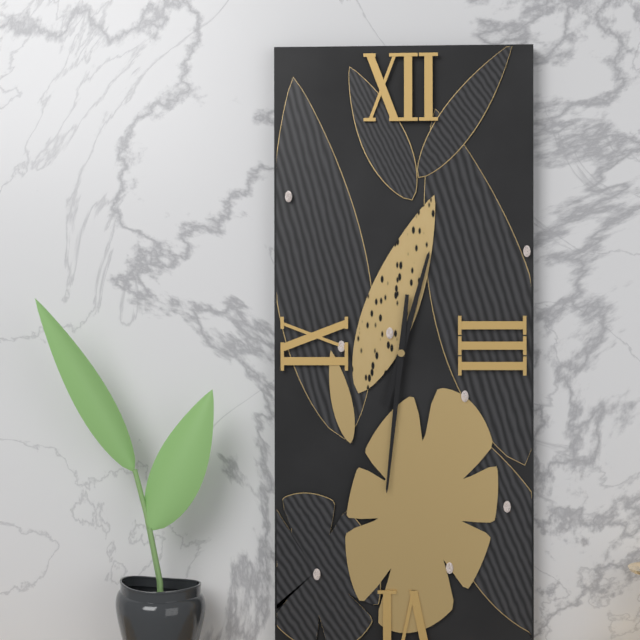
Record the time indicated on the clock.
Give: 12:31
